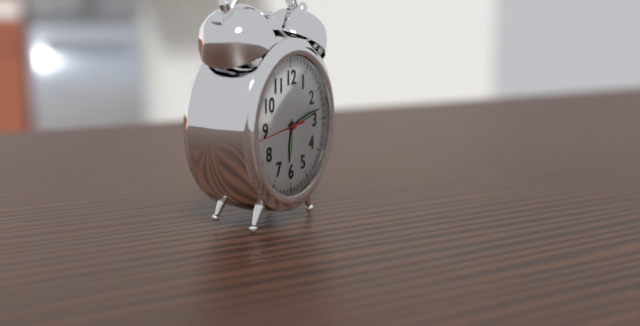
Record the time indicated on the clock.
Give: 6:13
